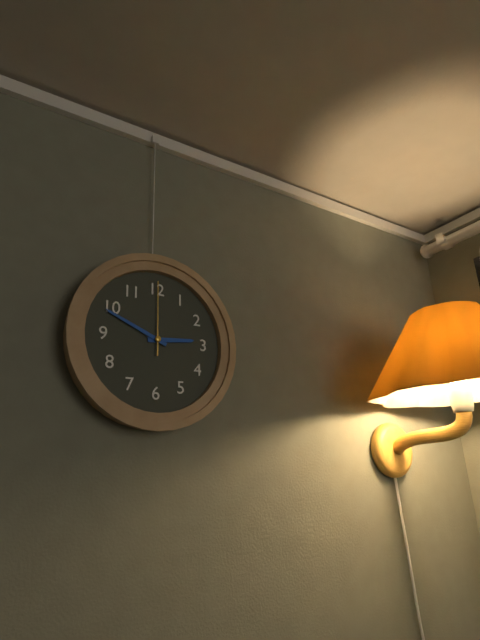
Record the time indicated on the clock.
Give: 2:49:00
